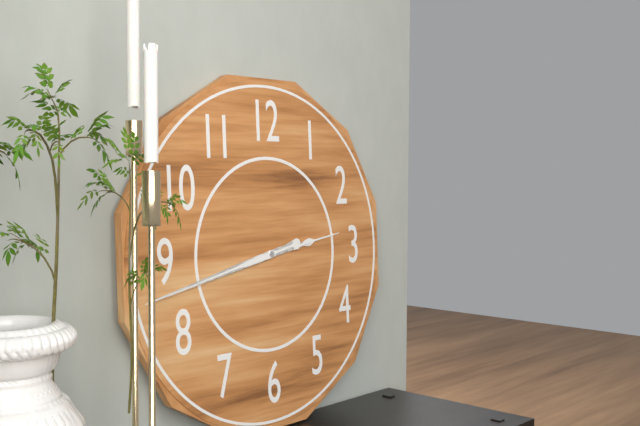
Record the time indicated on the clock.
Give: 2:43
